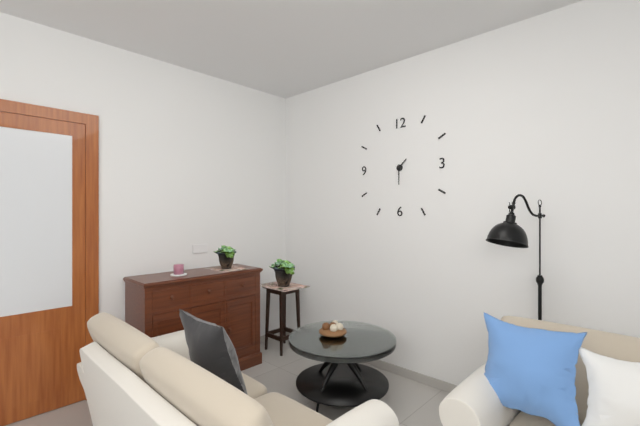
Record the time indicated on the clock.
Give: 1:30
